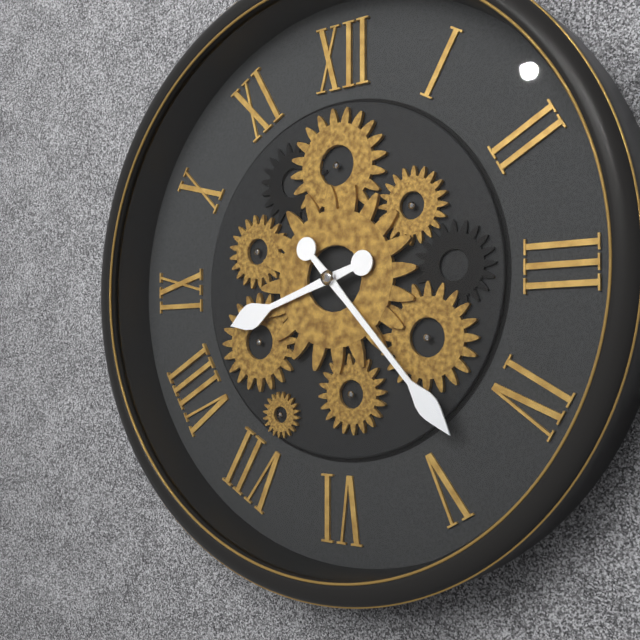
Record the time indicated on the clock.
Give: 8:23
